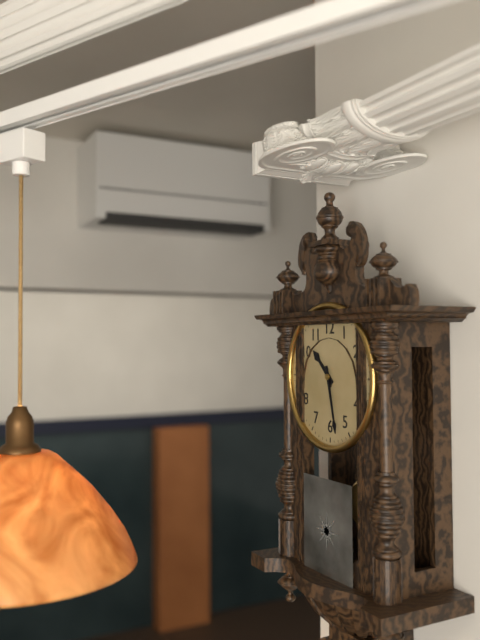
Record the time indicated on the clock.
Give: 10:28
